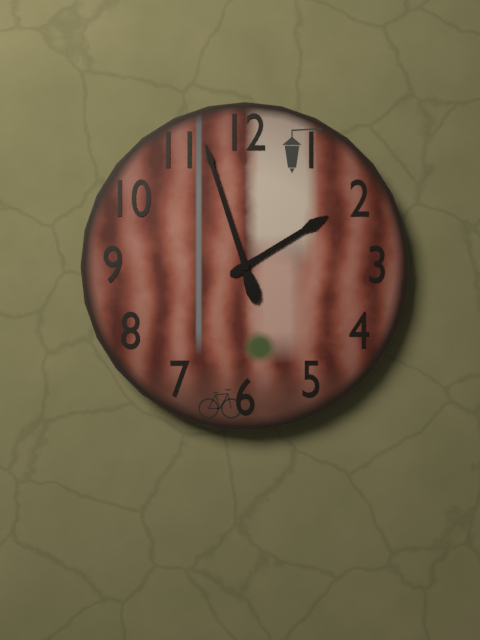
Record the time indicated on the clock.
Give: 1:57
